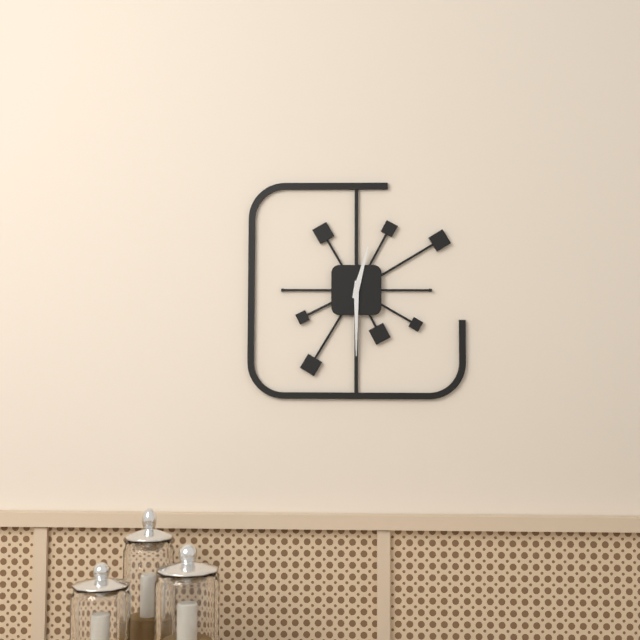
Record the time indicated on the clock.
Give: 12:30
